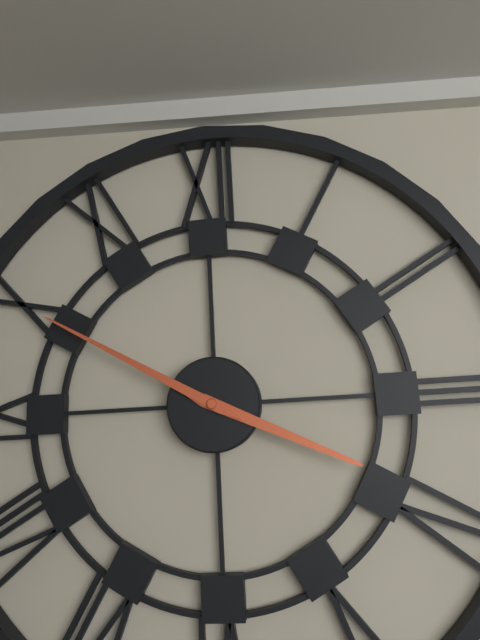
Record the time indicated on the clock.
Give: 3:50
